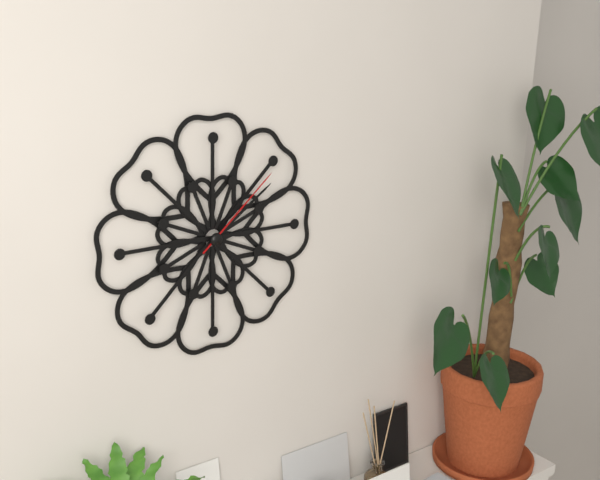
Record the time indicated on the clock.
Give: 9:09:08
